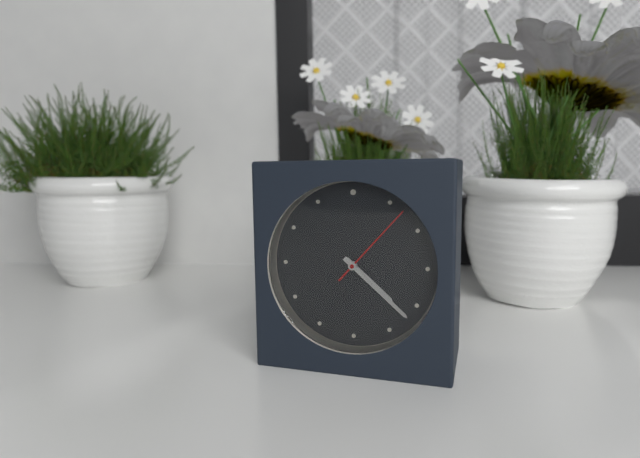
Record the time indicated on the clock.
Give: 4:22:07
